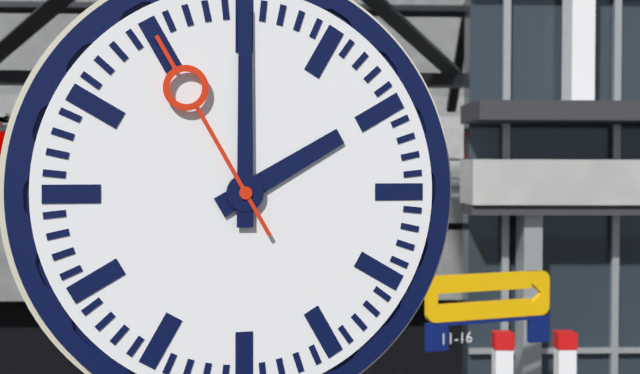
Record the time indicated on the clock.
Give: 2:00:55
